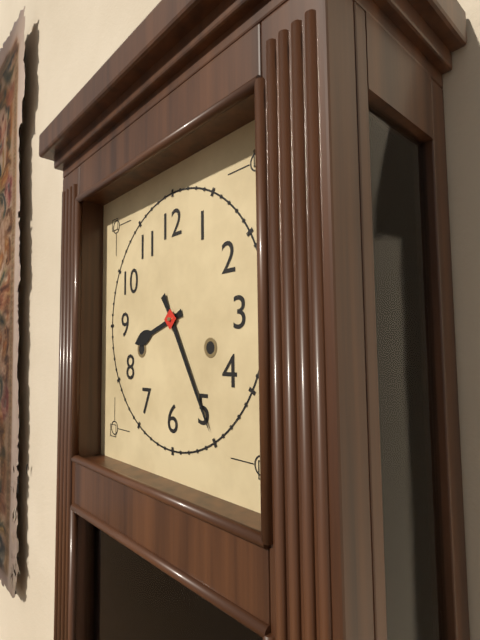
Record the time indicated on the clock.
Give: 8:25
